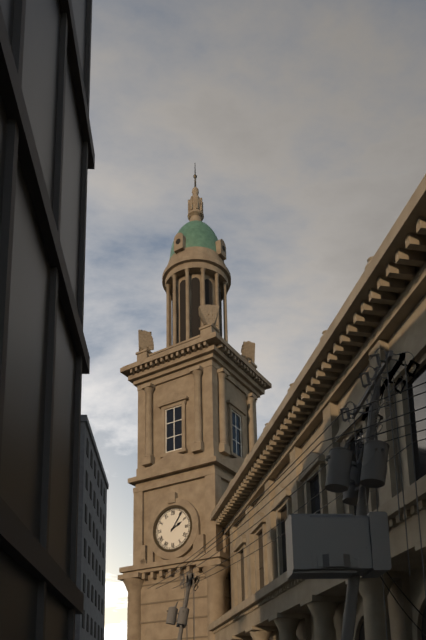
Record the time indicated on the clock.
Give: 2:06
